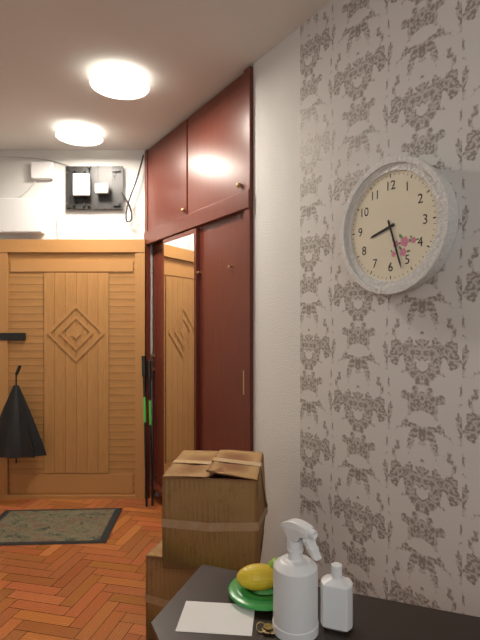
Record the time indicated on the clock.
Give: 8:27
